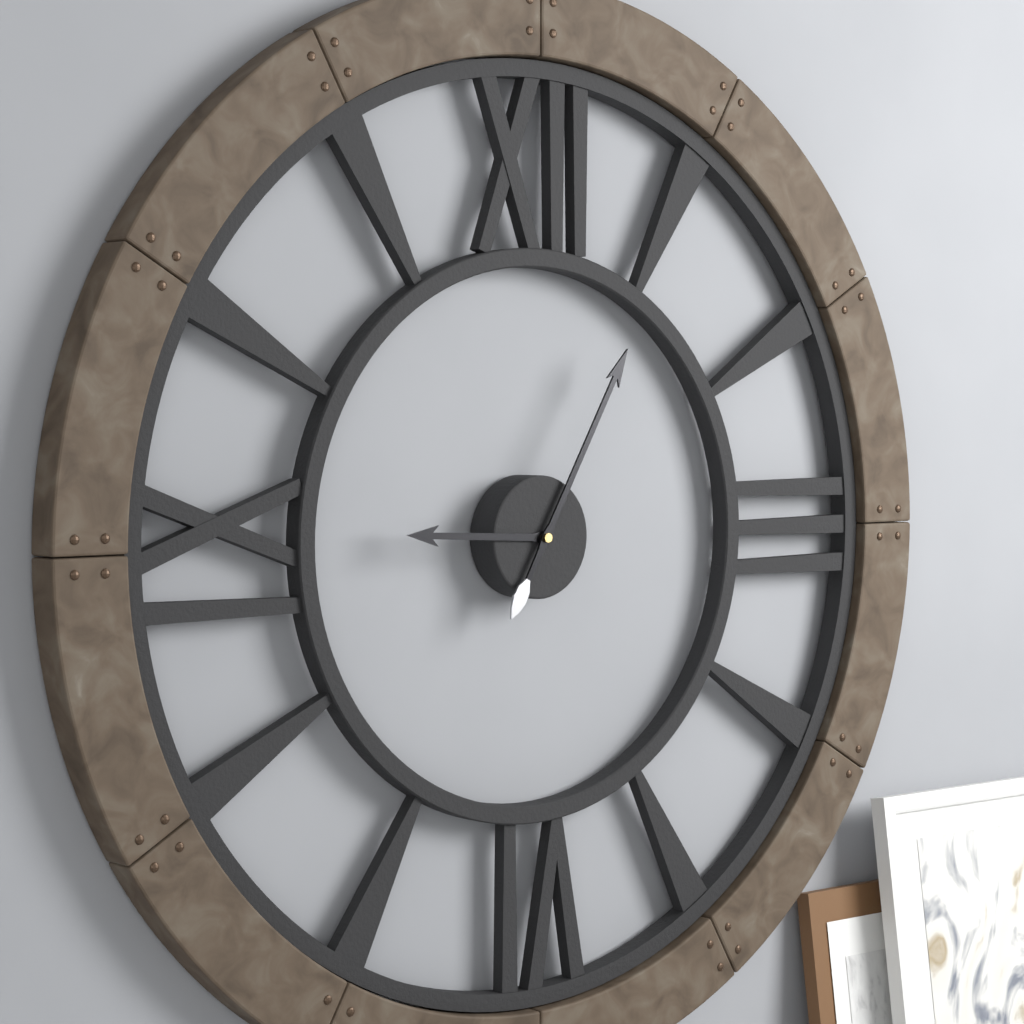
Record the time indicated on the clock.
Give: 9:05
